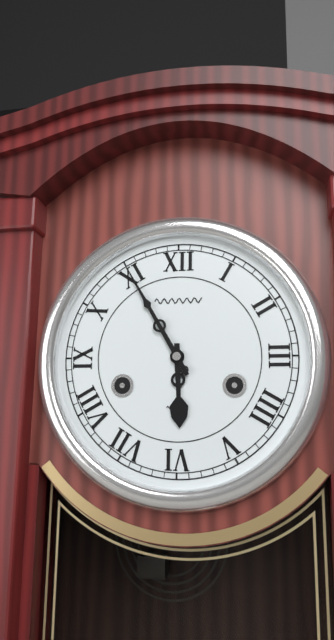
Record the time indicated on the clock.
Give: 5:55
